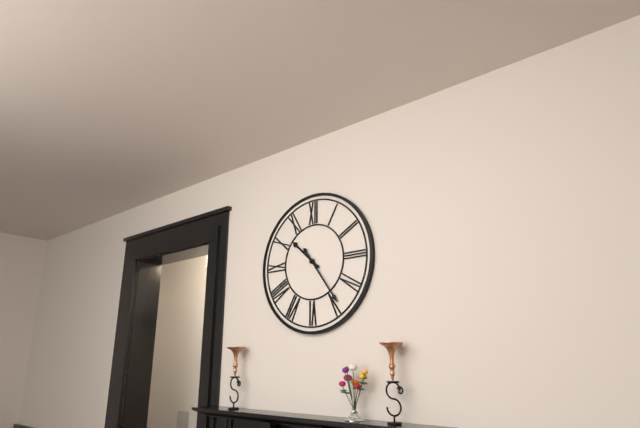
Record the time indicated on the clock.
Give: 10:24
